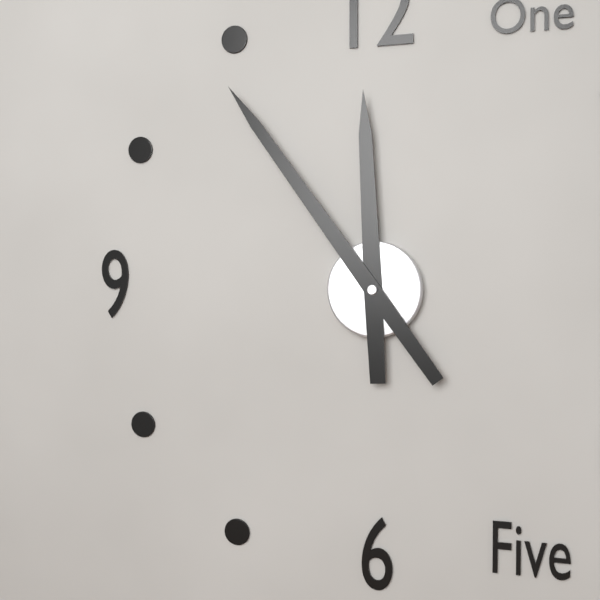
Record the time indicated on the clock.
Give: 11:54
